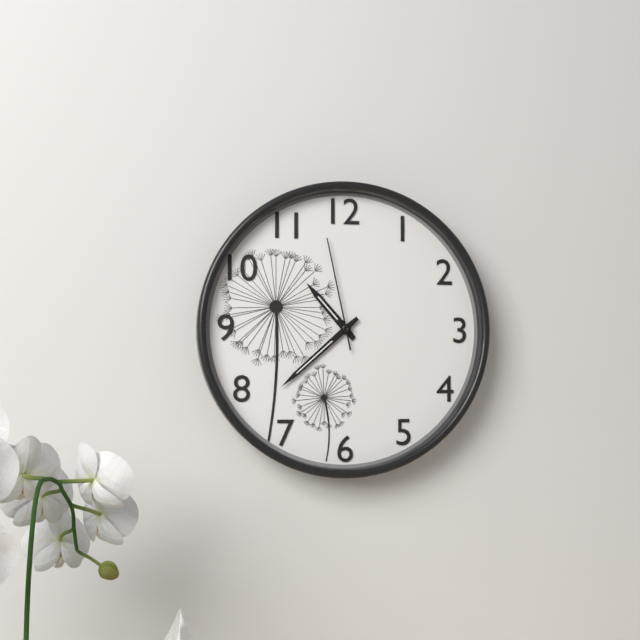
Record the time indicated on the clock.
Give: 10:38:58
